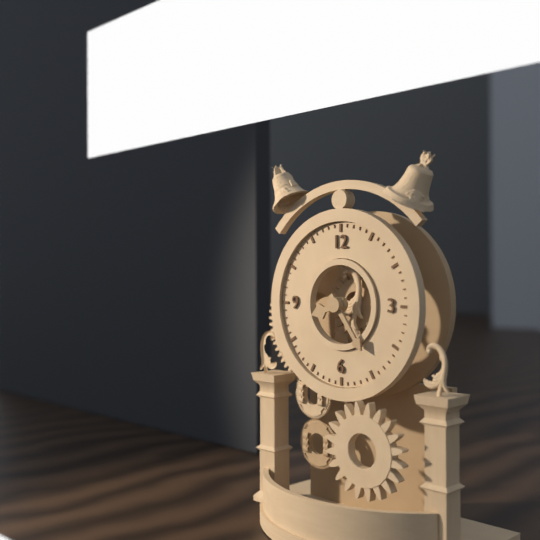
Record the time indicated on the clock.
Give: 8:24
